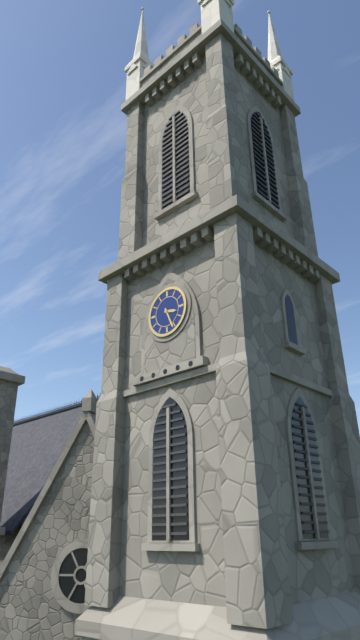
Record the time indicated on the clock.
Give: 3:26
